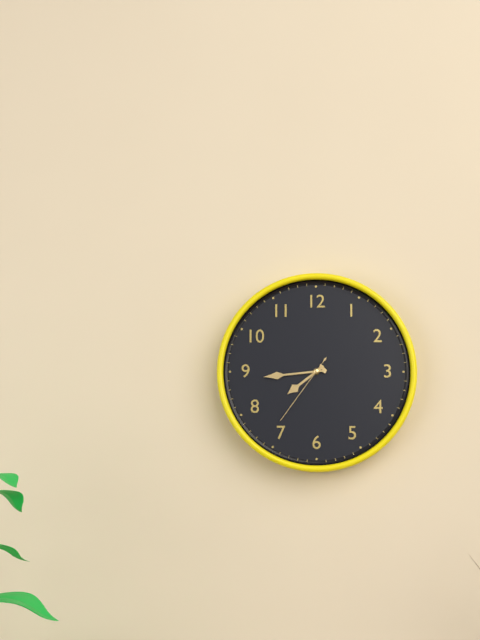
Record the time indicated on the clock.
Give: 7:44:36
